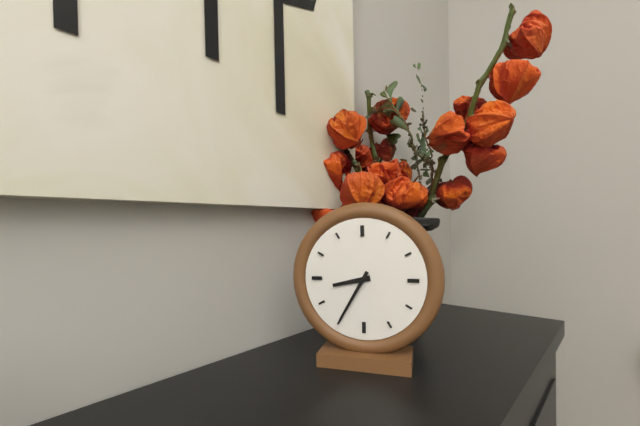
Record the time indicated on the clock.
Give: 8:35
